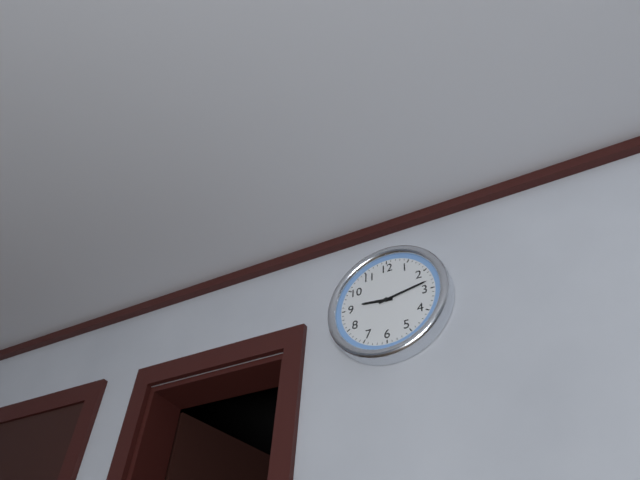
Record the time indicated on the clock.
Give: 9:13
